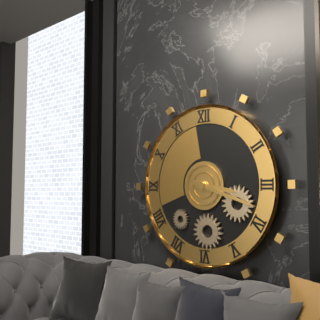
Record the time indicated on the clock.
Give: 3:18
